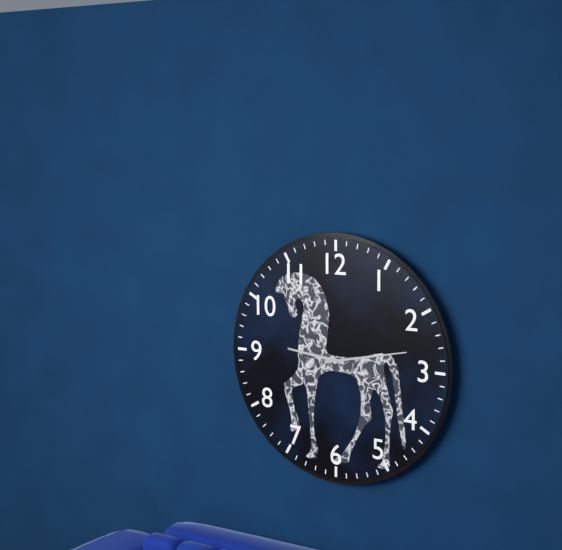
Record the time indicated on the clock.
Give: 9:13
